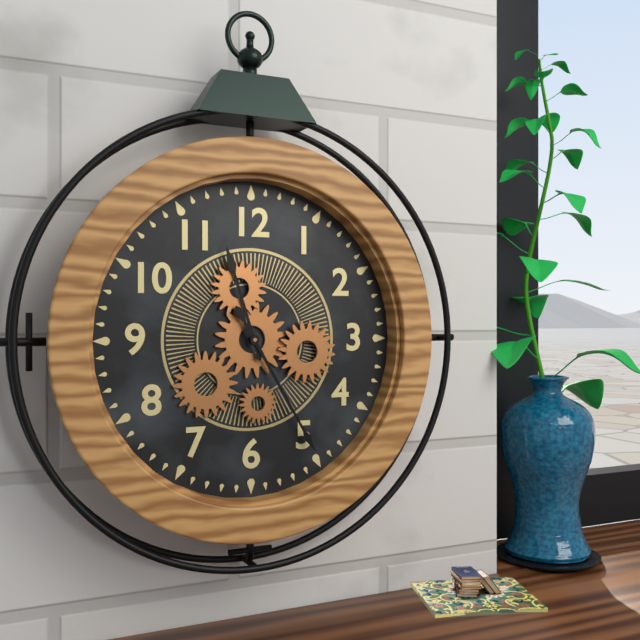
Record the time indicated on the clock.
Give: 11:25
